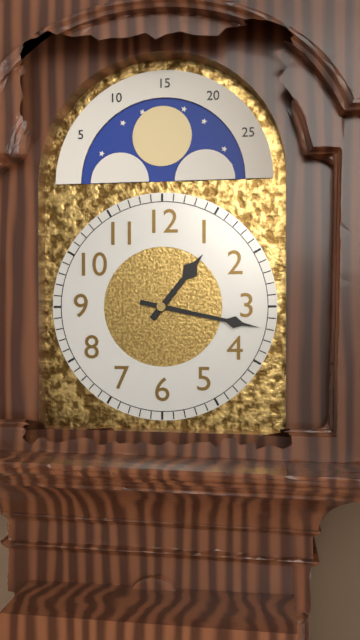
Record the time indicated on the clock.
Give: 1:17
